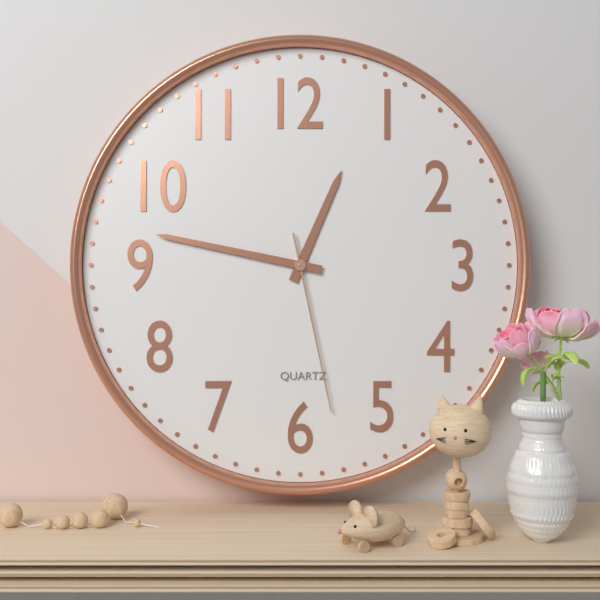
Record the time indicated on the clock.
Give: 12:47:28
